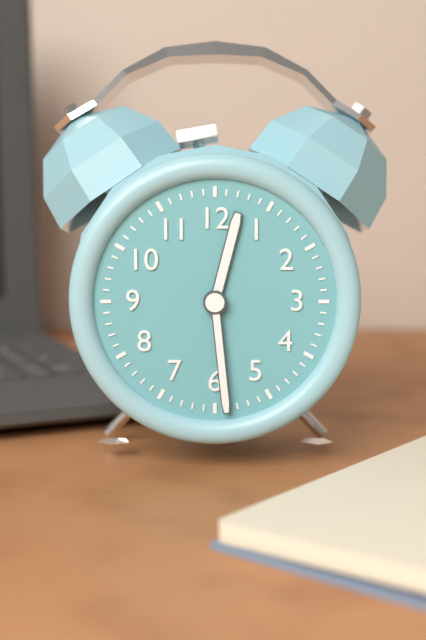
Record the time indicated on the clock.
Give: 12:29
